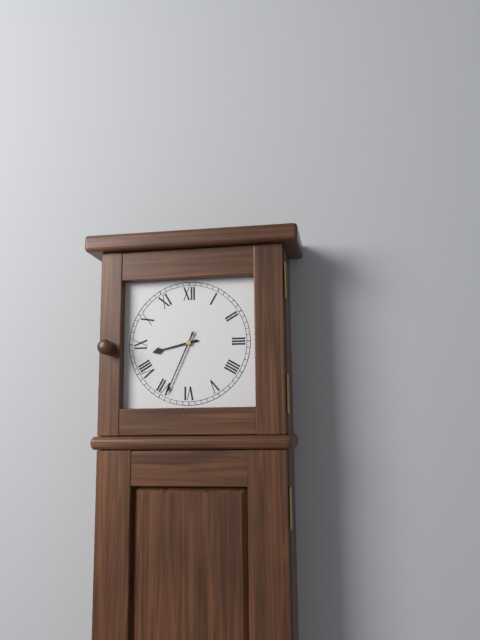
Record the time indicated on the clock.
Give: 8:34
